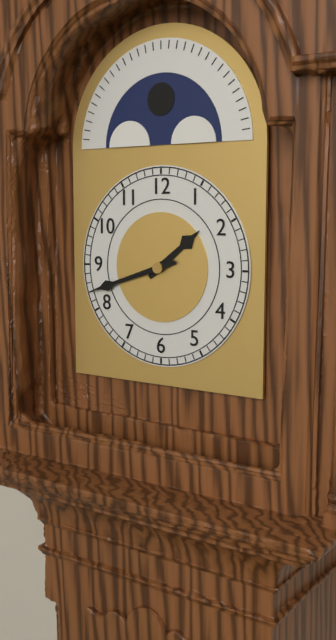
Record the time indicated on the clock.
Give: 1:42
